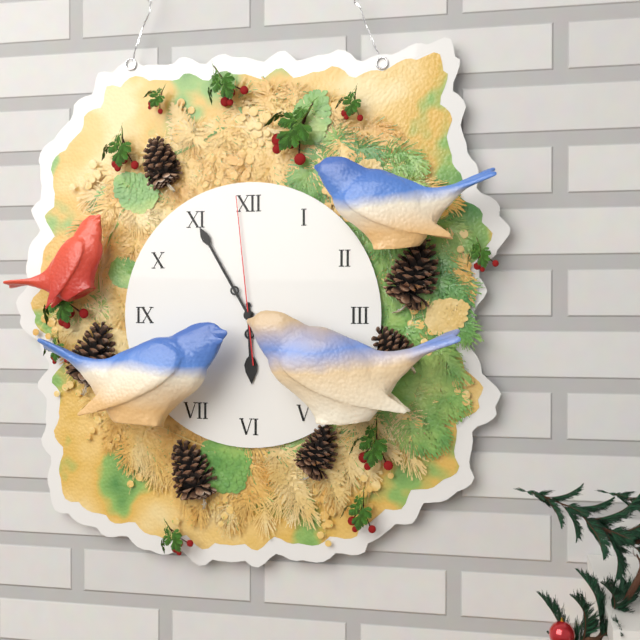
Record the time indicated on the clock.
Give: 5:55:59
